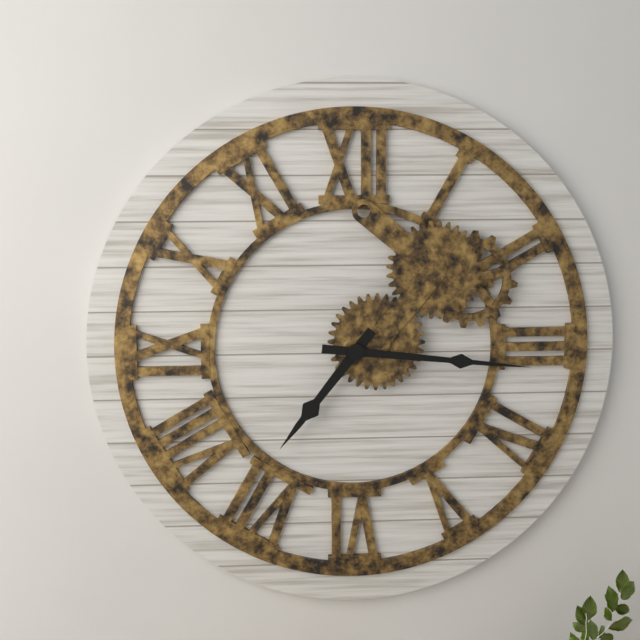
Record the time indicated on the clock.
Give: 7:16
